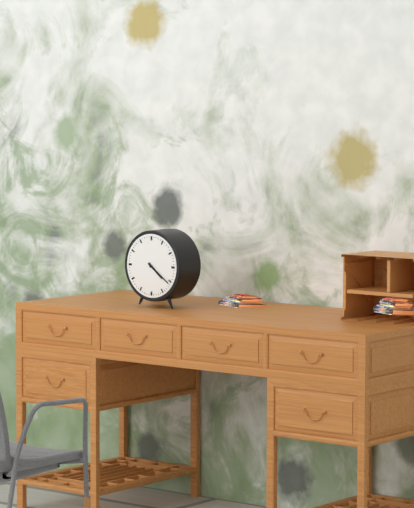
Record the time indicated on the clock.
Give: 4:21
